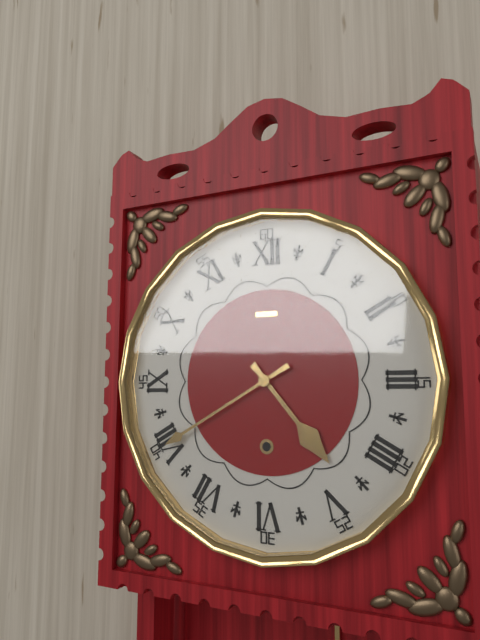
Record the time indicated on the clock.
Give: 4:40
